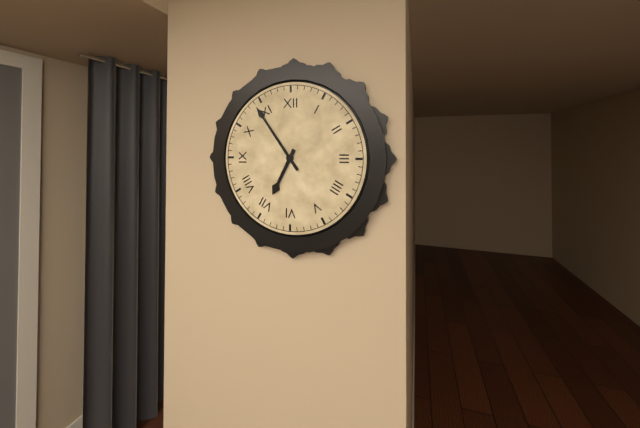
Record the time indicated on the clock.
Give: 6:54
